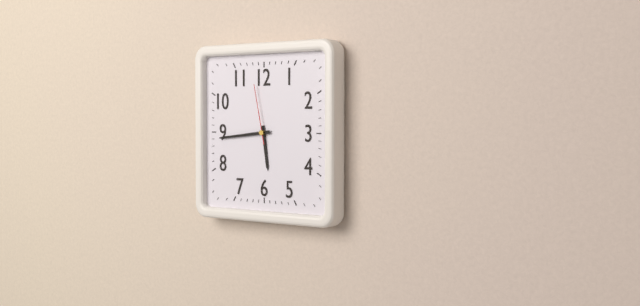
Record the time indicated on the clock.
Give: 5:44:58
